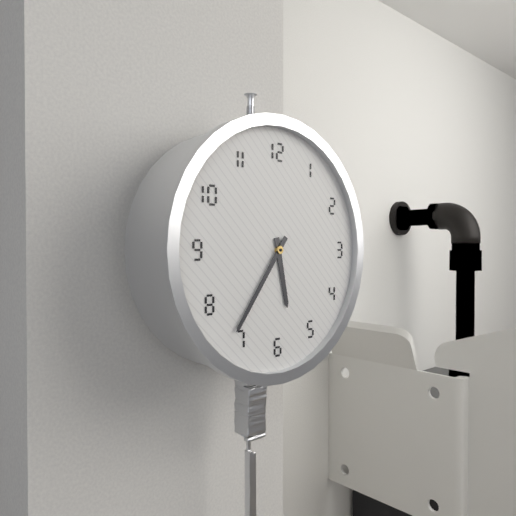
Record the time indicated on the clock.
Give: 5:36
